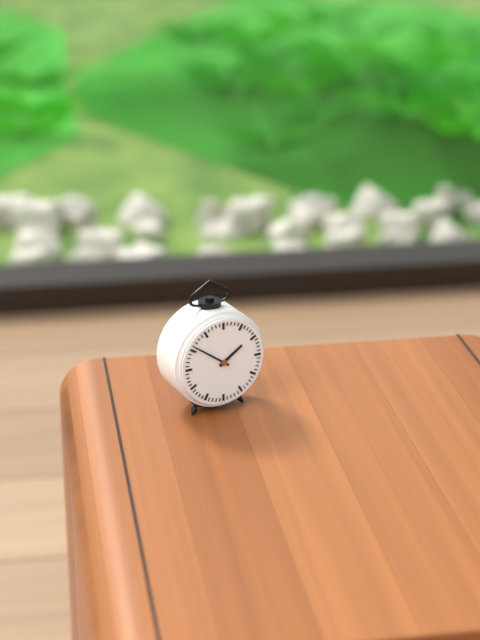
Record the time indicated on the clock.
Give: 1:51
